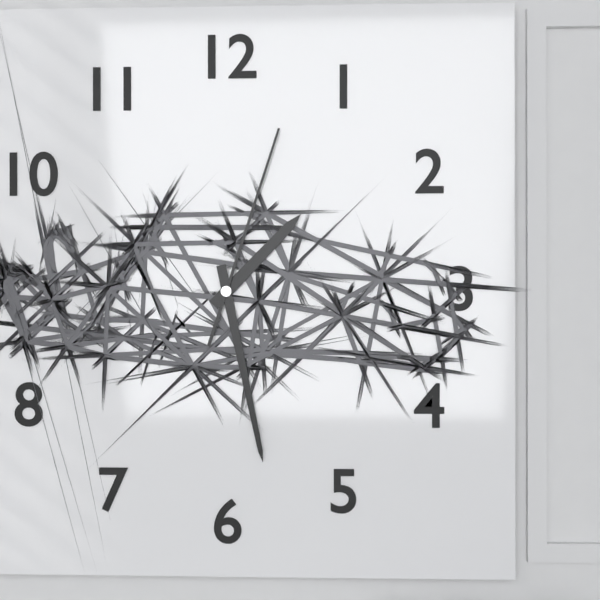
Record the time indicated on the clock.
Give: 1:28:03
